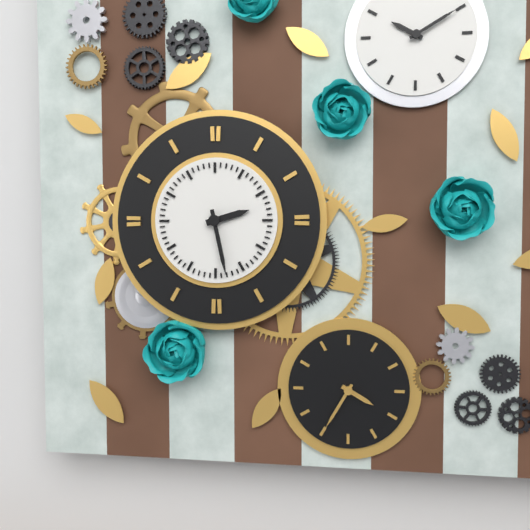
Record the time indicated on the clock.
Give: 2:28
